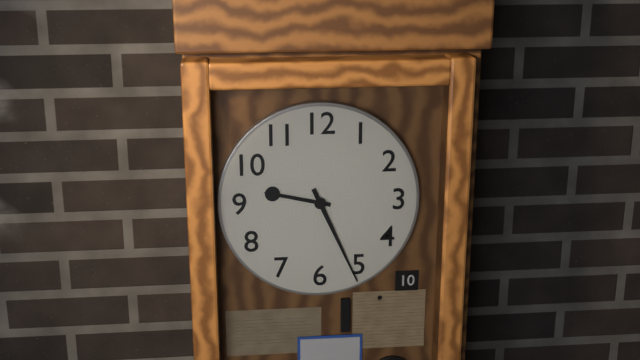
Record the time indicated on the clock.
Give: 9:26
